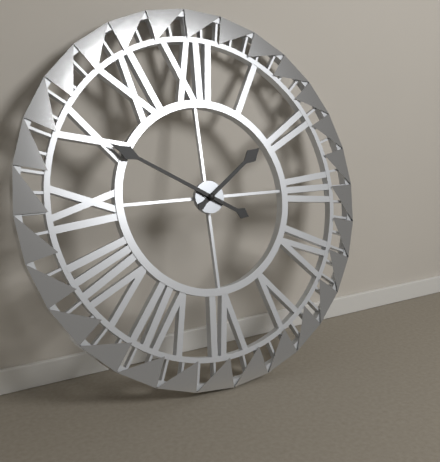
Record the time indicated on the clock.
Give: 1:50
